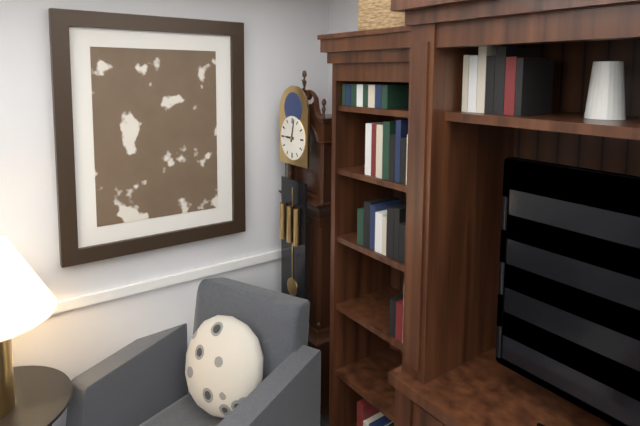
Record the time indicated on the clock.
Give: 9:02
